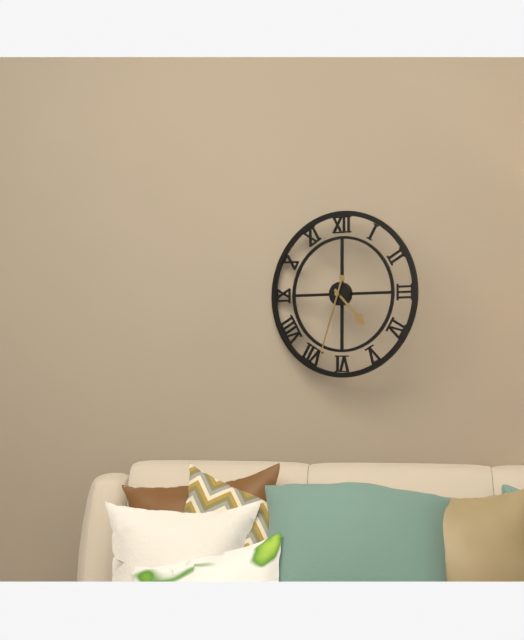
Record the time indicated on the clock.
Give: 4:33
